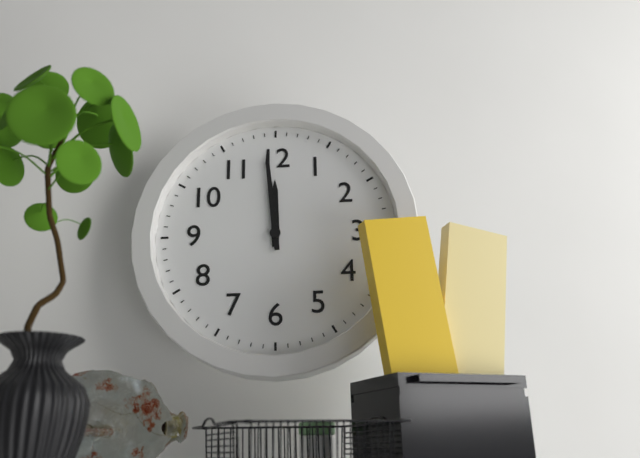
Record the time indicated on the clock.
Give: 11:59
